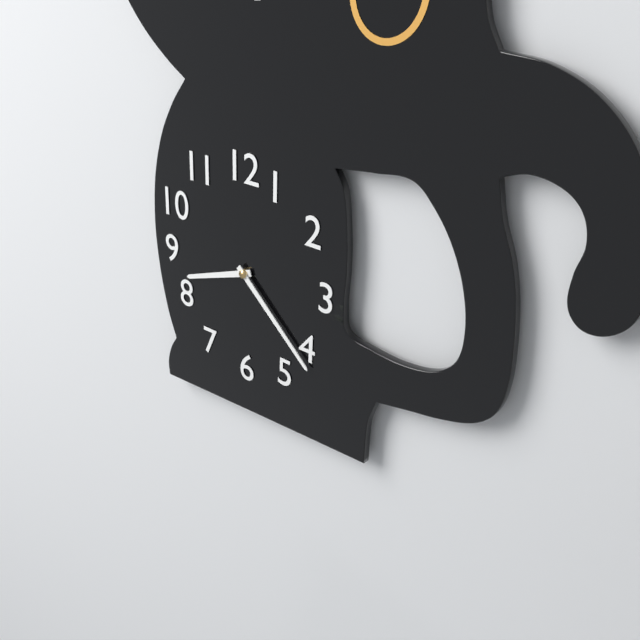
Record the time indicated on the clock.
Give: 8:22
